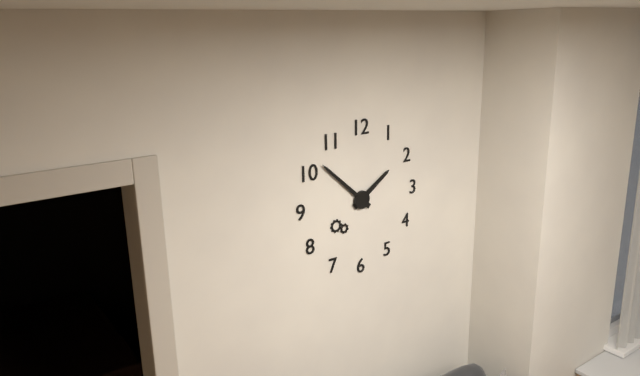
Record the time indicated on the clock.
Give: 1:52
